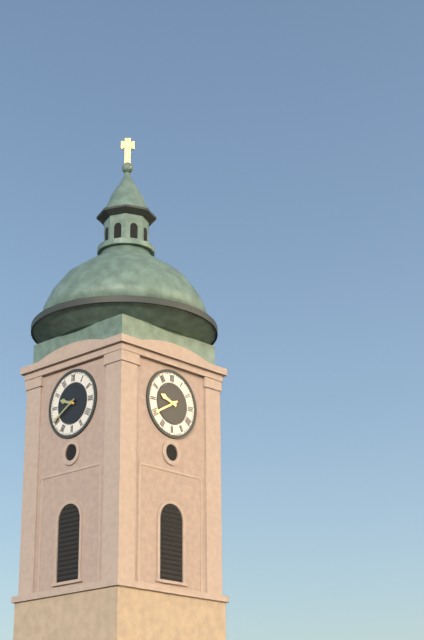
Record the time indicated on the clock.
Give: 9:40
